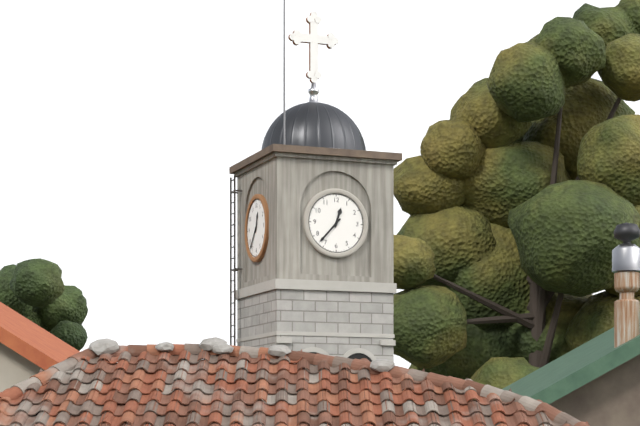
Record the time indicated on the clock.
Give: 12:37
